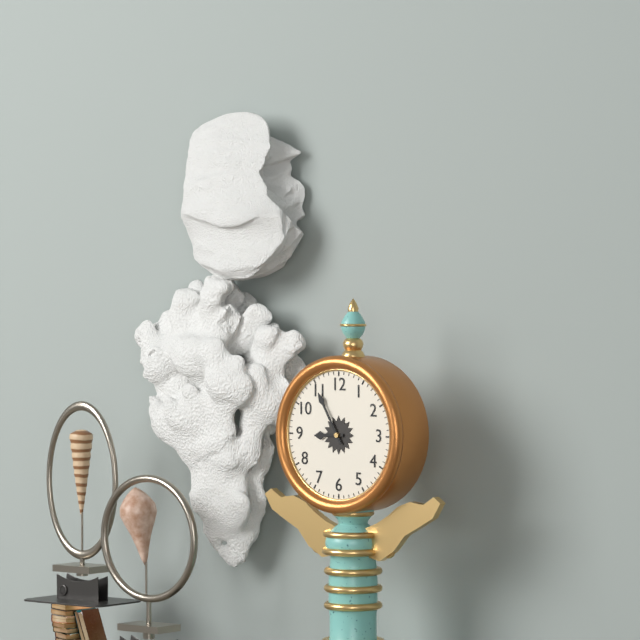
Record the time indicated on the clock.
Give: 8:55
